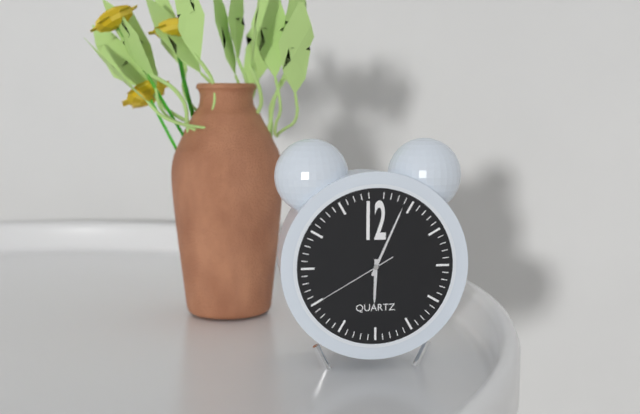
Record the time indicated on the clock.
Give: 6:04:40
